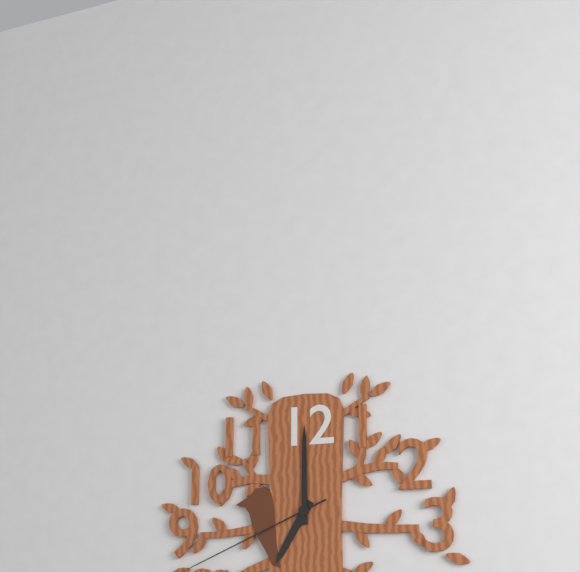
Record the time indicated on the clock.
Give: 7:00
